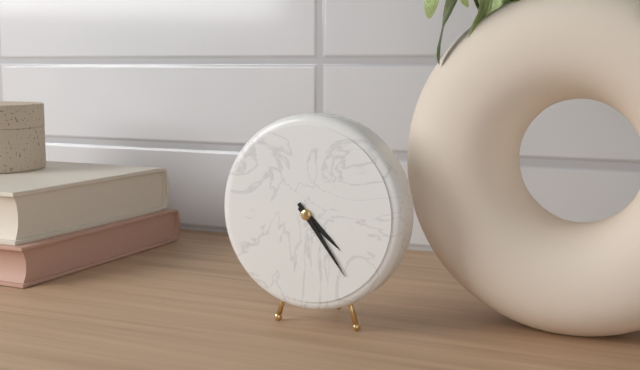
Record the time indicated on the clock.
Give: 4:24
